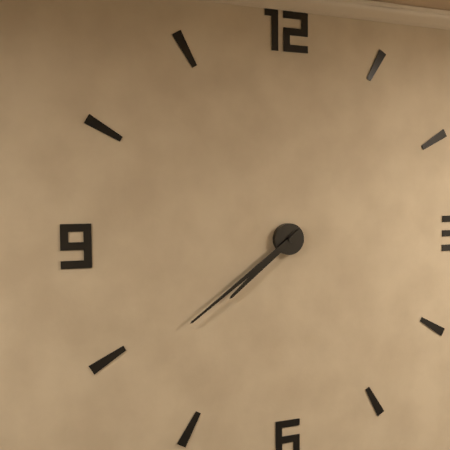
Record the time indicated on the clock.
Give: 7:39
